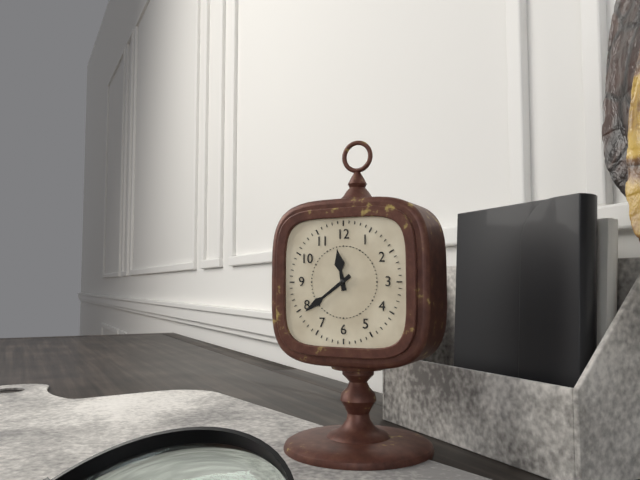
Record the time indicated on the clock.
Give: 11:39
